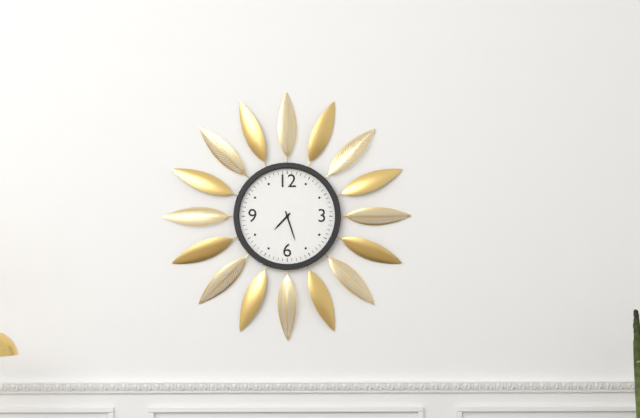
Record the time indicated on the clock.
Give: 7:27
